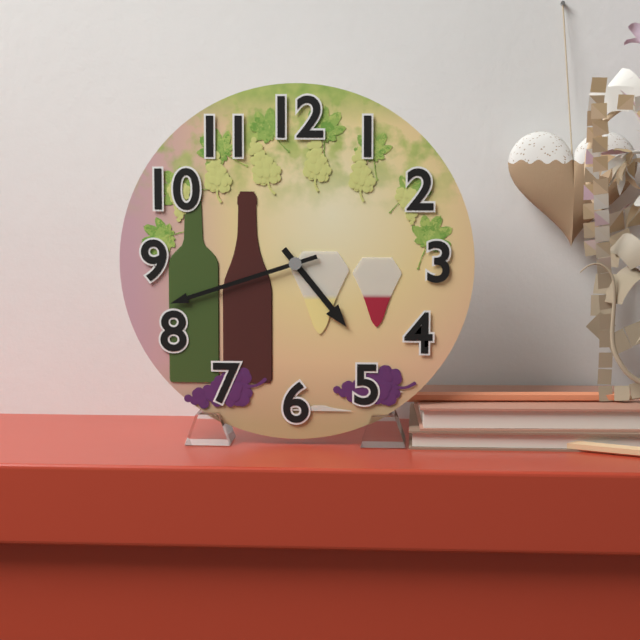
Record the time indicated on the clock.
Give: 4:42
